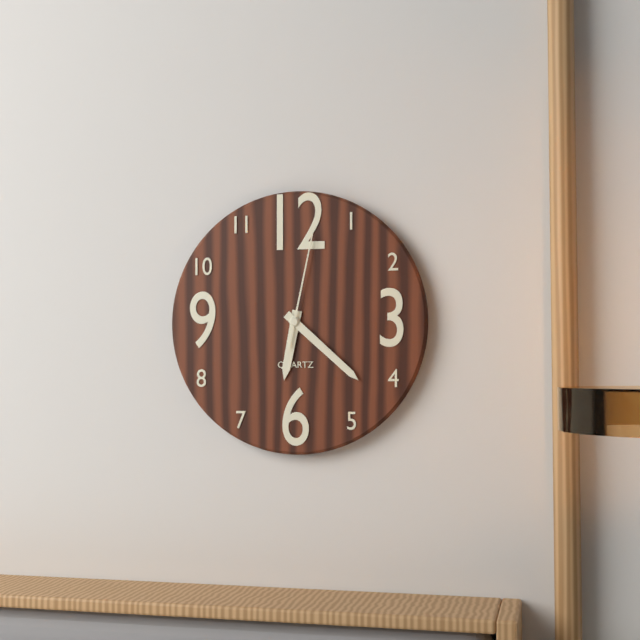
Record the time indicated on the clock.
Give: 6:22:02
